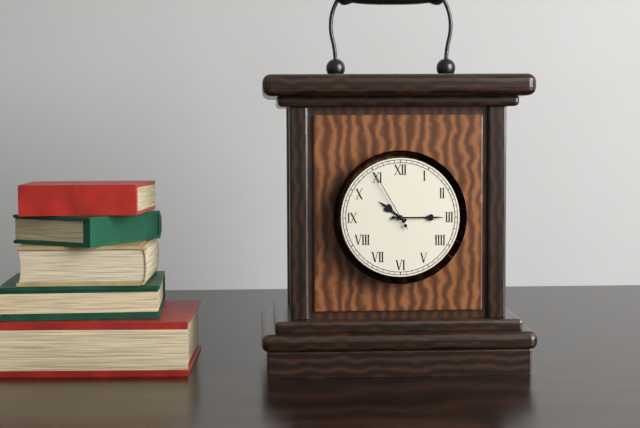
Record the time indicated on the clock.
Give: 10:15:55
